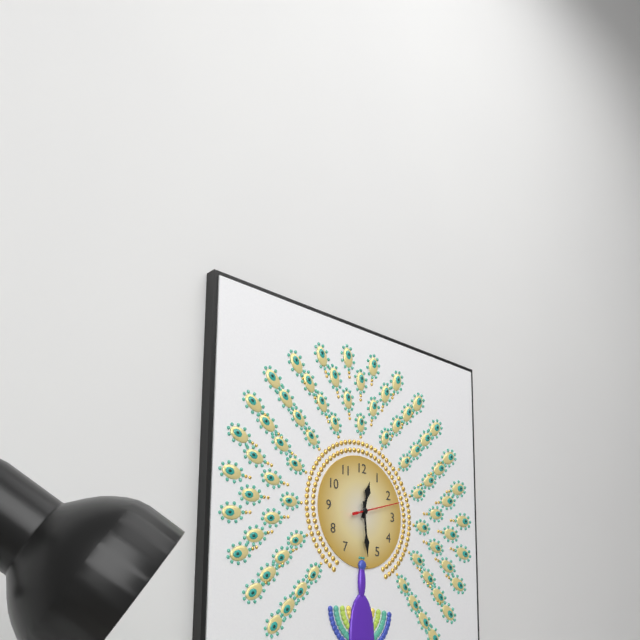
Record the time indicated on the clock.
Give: 12:29
